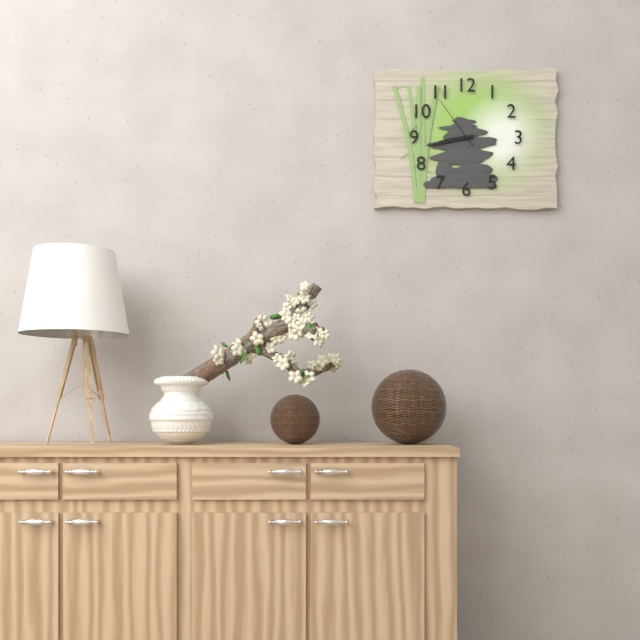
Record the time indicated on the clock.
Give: 8:43:54
